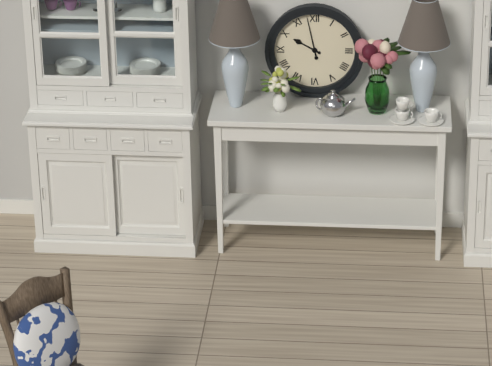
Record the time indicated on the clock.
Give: 9:58
